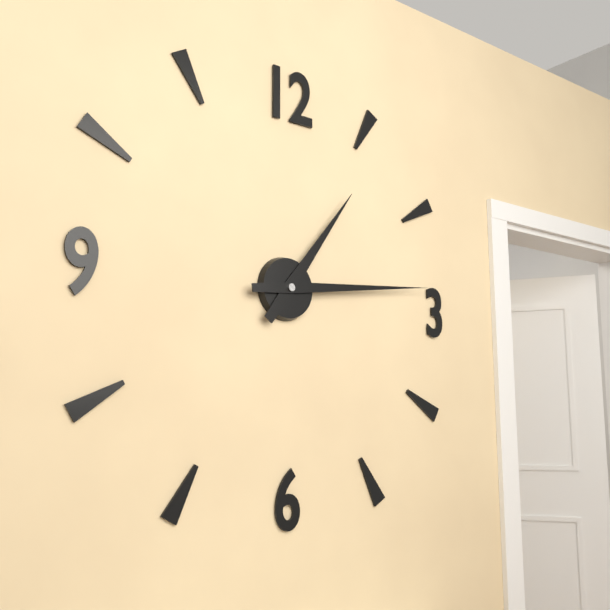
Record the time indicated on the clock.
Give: 1:14
